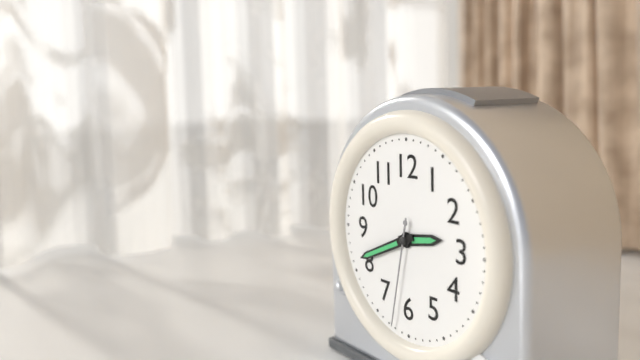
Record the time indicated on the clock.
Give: 2:41:32
